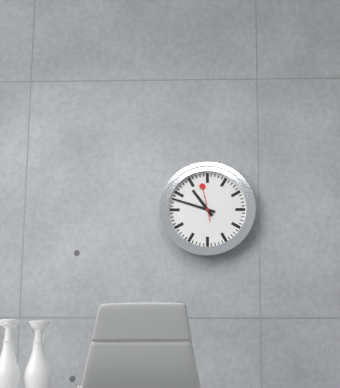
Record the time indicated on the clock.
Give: 10:48
